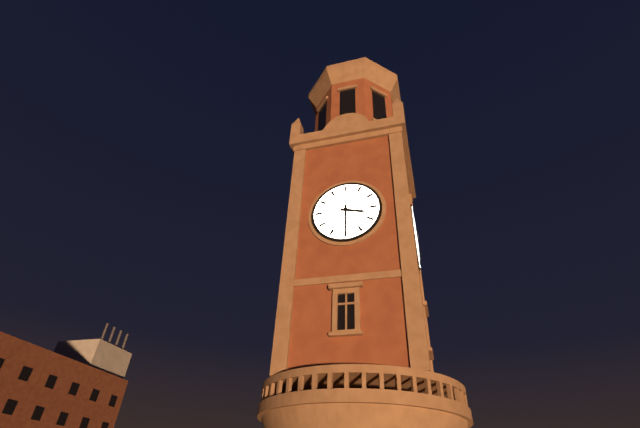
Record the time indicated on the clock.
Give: 3:30
